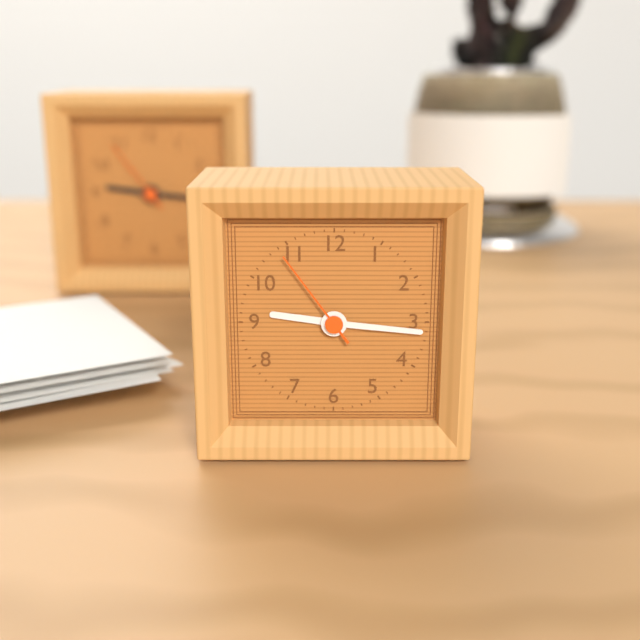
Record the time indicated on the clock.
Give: 9:16:54
